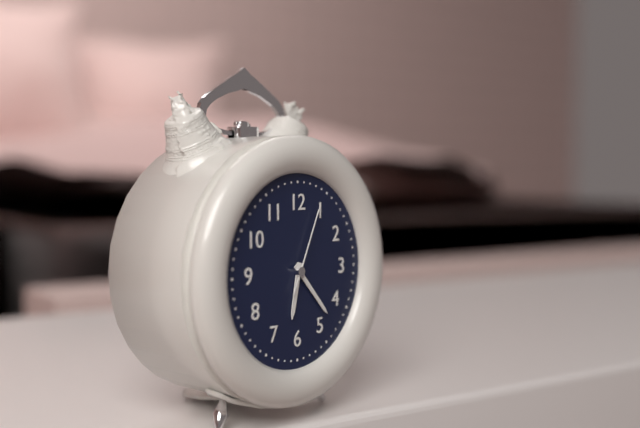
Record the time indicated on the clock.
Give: 6:23:04
